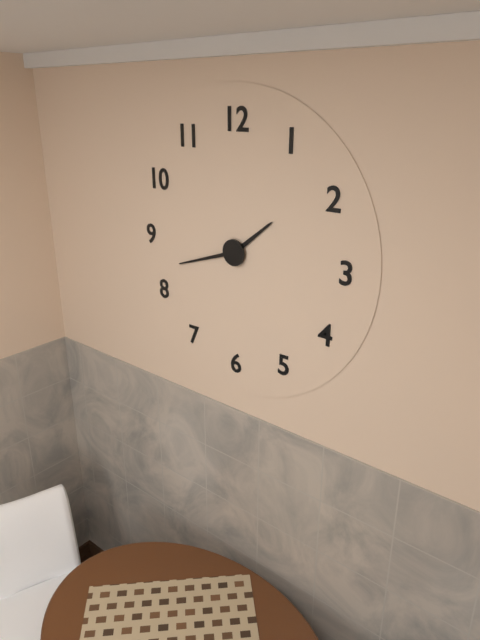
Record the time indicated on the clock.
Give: 1:42
